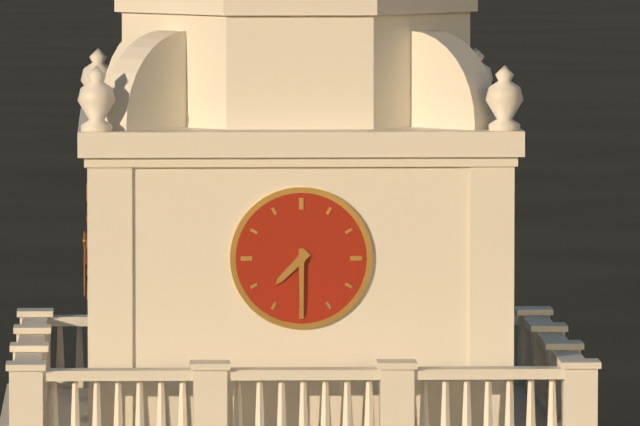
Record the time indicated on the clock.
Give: 7:30
